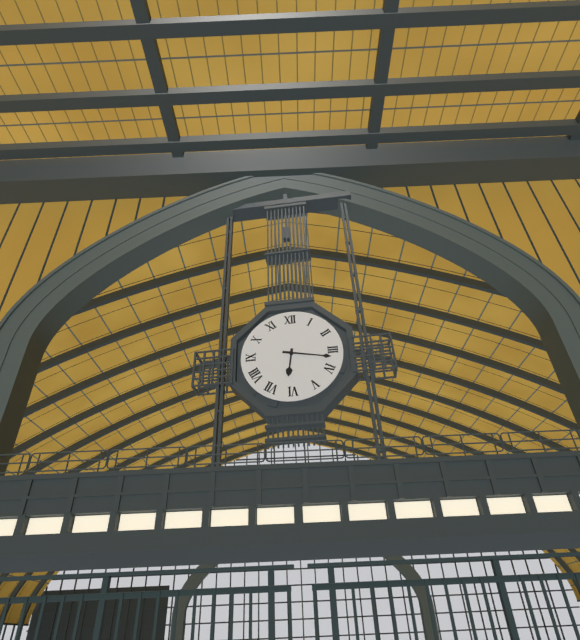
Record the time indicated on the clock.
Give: 6:17
